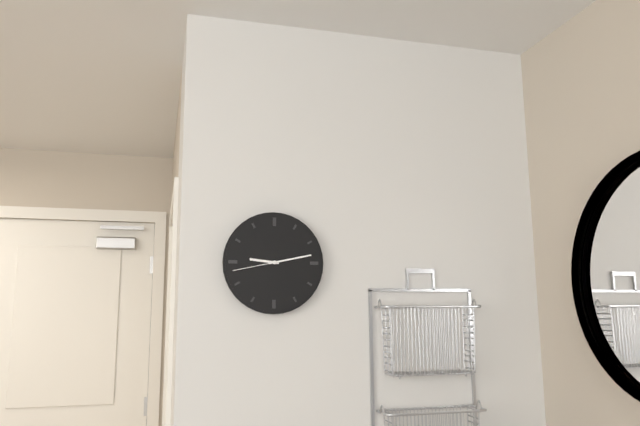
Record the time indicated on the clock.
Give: 9:13:43
